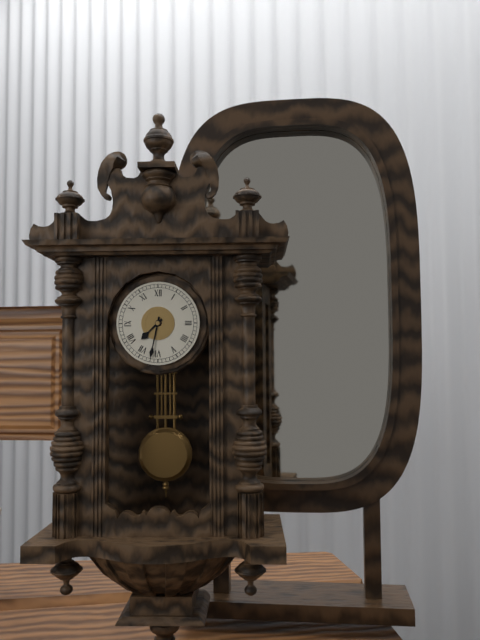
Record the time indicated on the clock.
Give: 7:32
